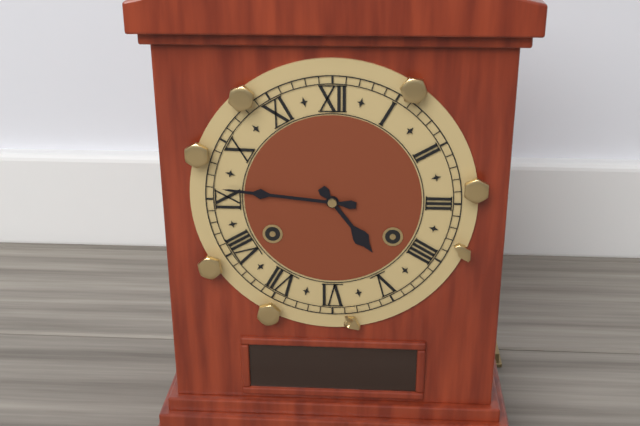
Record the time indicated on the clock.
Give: 4:46
